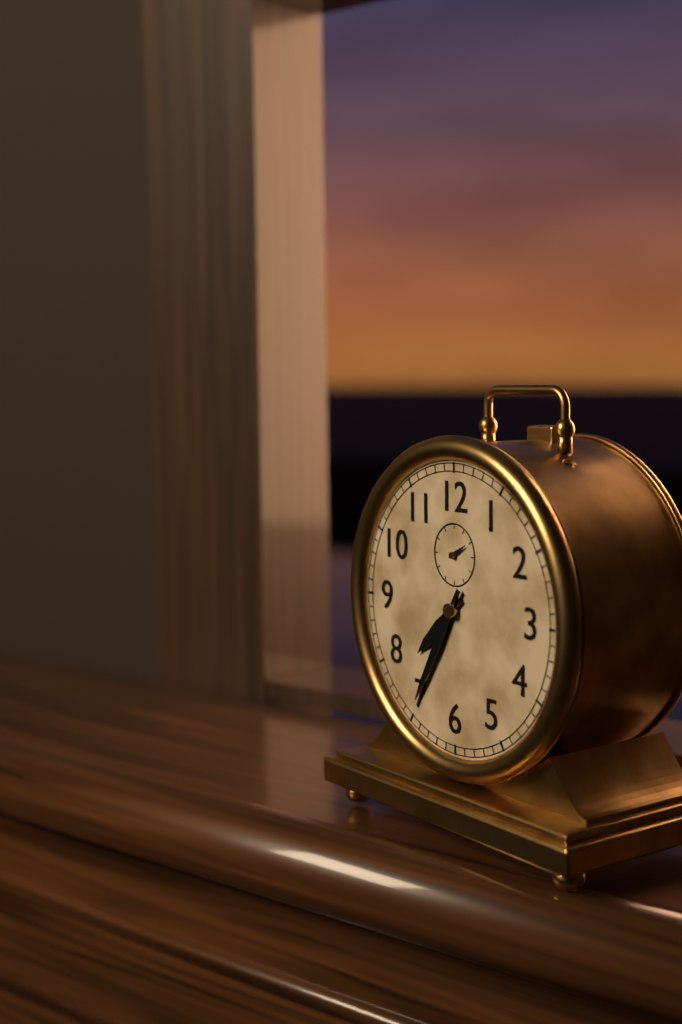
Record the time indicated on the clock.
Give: 7:35
